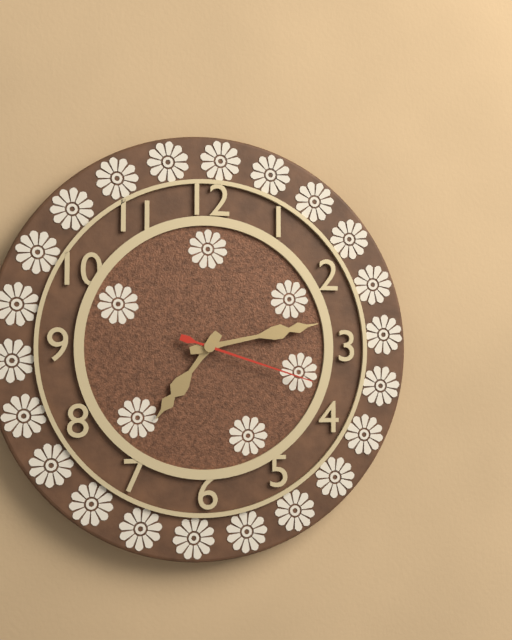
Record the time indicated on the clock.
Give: 7:13:18
